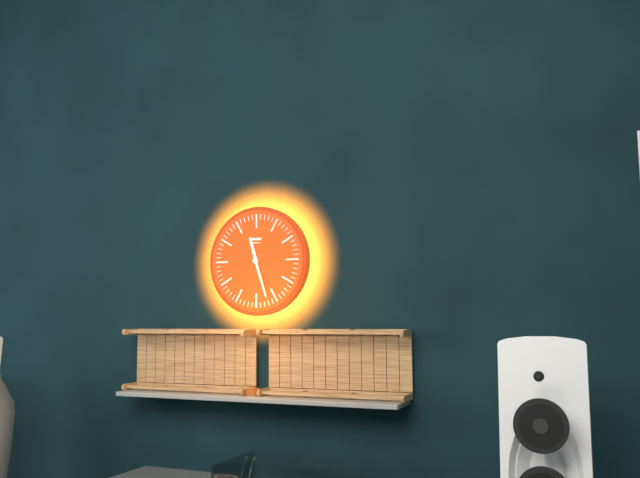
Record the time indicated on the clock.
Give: 11:27
